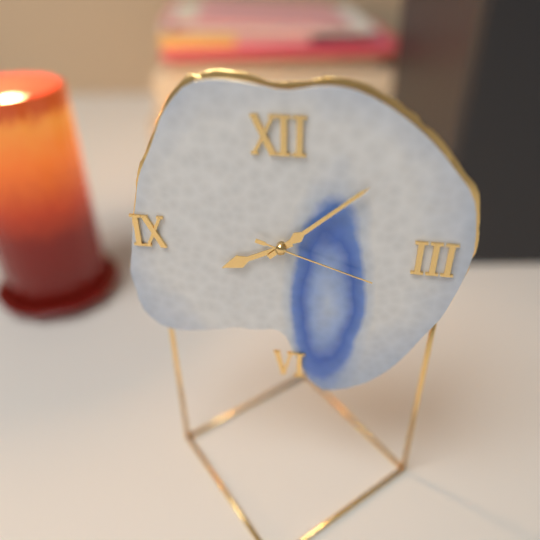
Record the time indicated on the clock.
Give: 8:08:18
